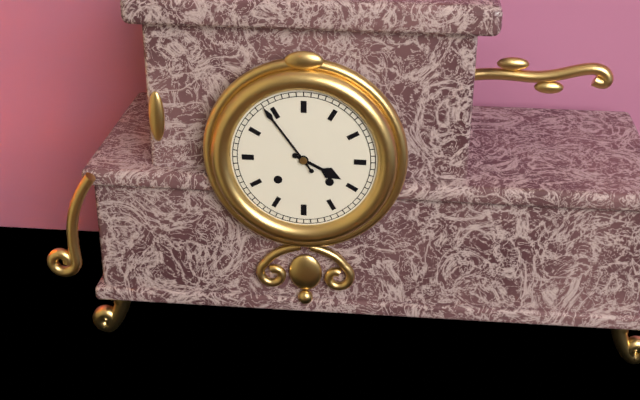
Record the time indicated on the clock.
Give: 3:54
